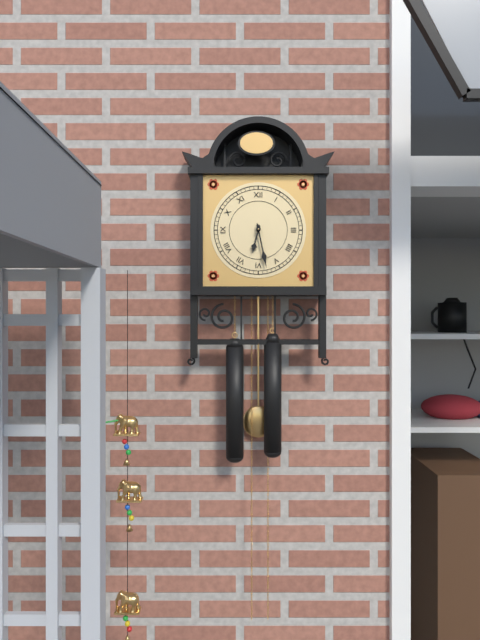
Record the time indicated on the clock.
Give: 6:28
